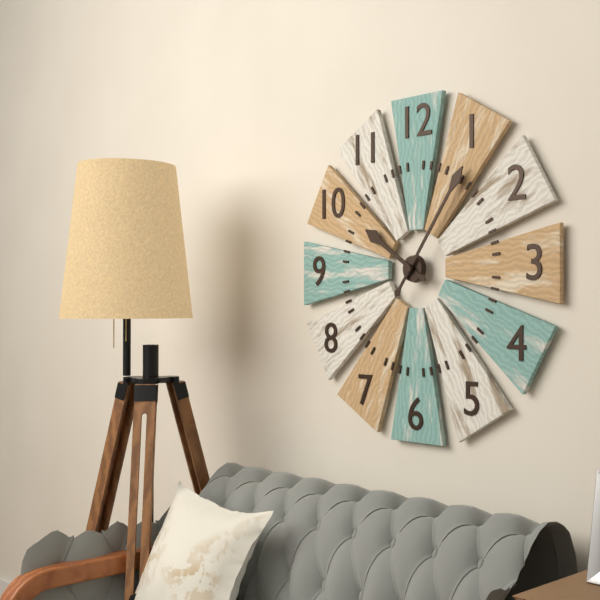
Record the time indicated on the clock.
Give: 10:06
